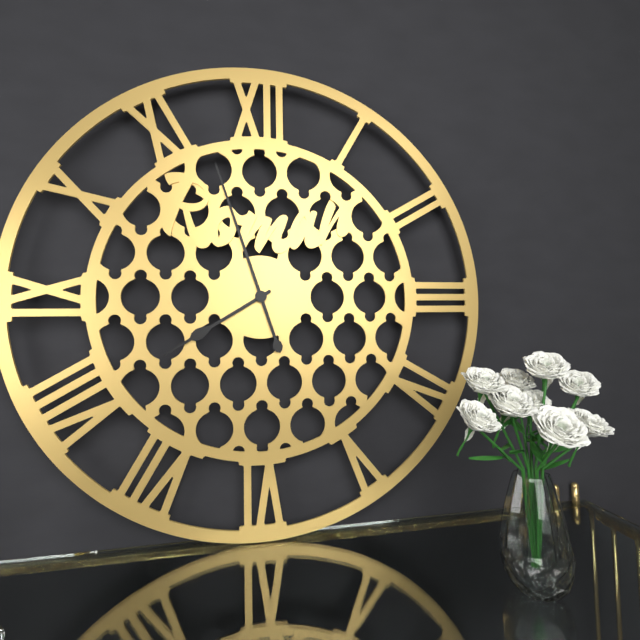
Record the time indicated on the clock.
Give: 7:57
